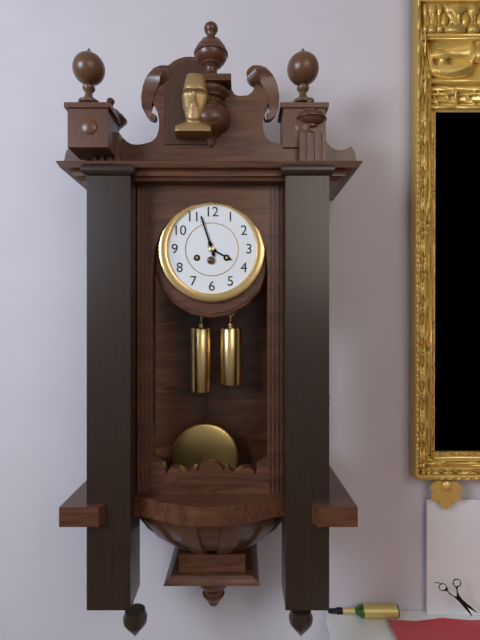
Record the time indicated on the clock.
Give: 3:57
